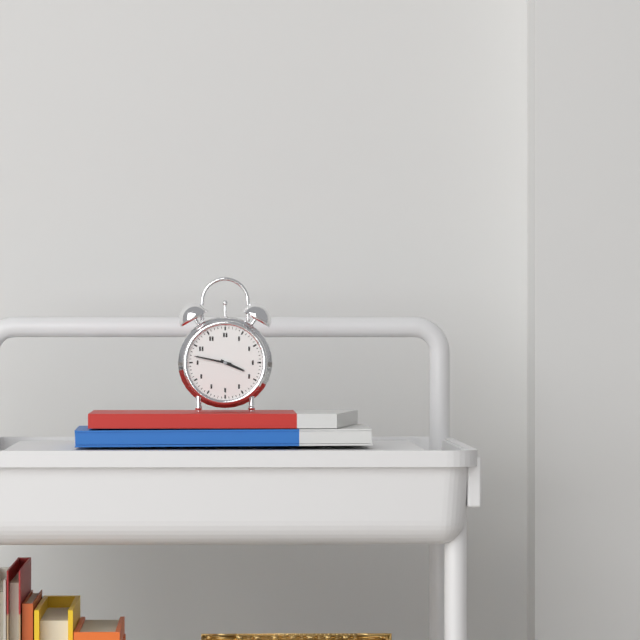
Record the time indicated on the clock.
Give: 3:47
